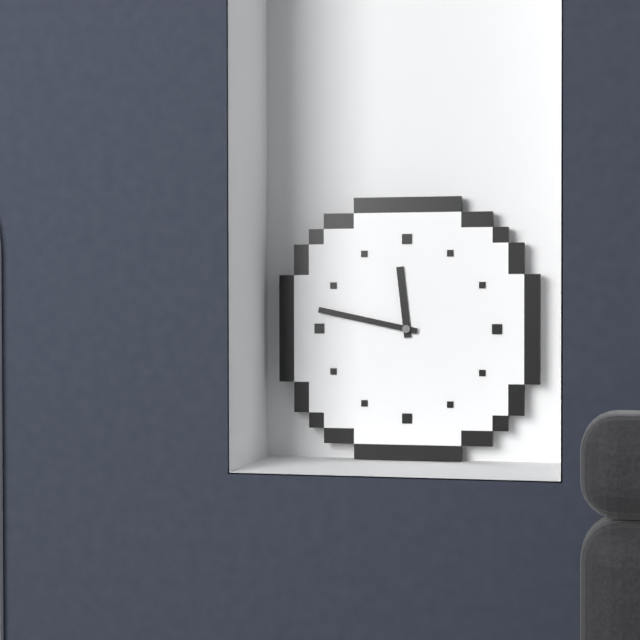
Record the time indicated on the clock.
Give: 11:47
